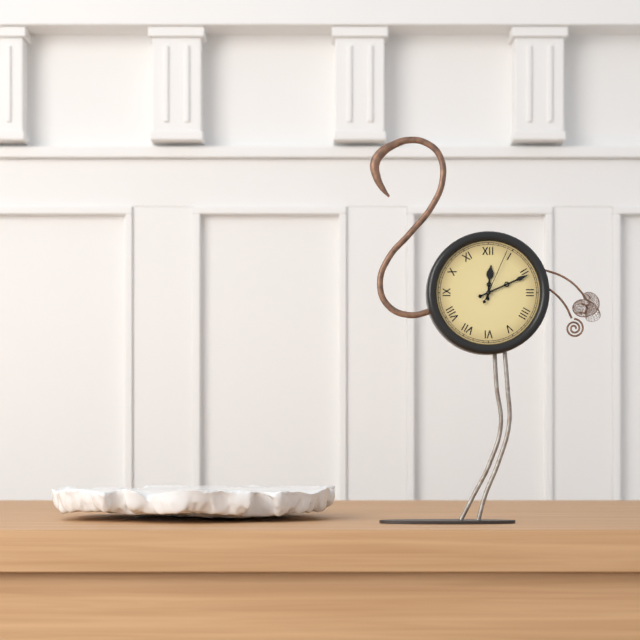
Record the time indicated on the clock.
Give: 12:11:04
